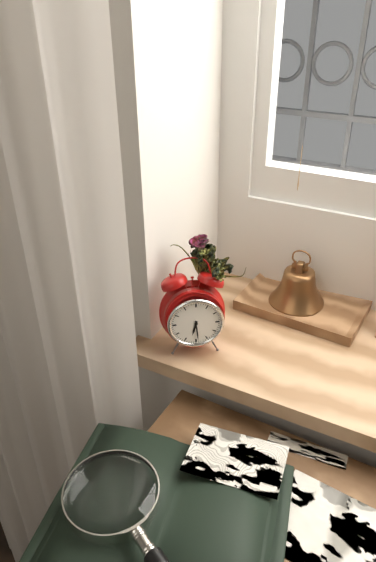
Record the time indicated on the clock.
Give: 6:29
